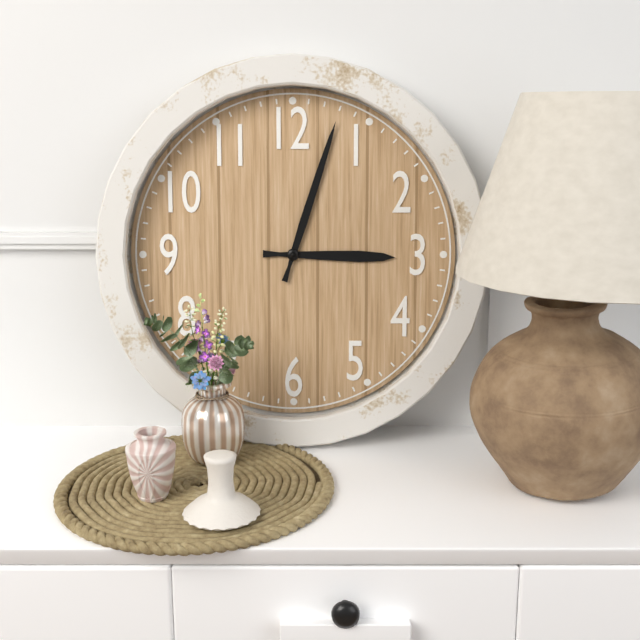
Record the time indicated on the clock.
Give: 3:03
